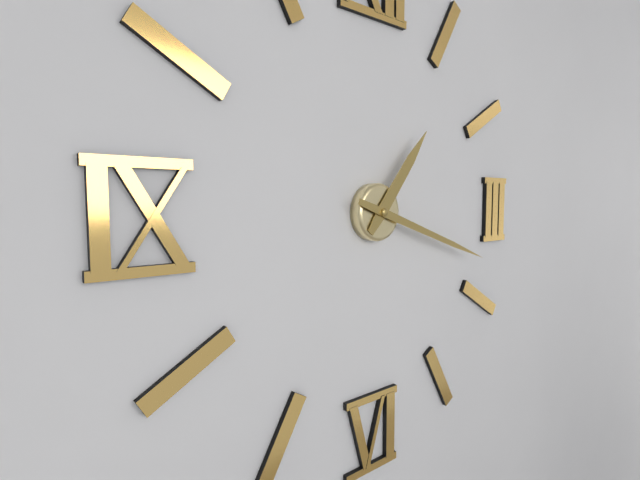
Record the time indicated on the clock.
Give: 1:18
